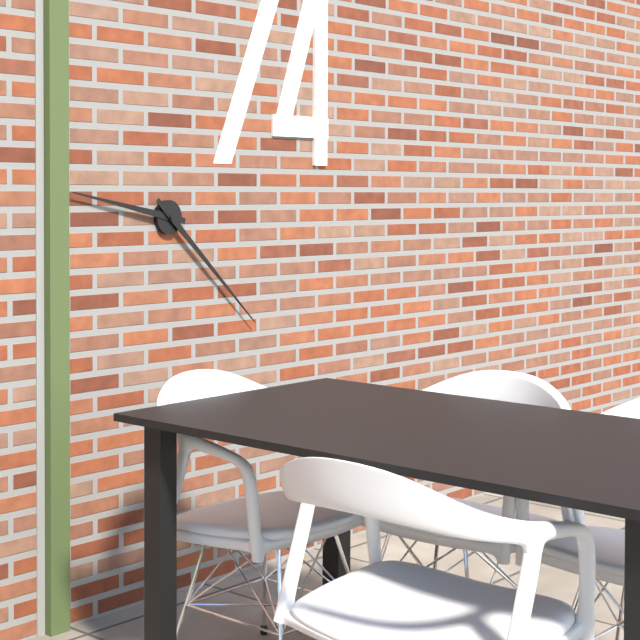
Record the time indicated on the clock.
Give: 9:22
